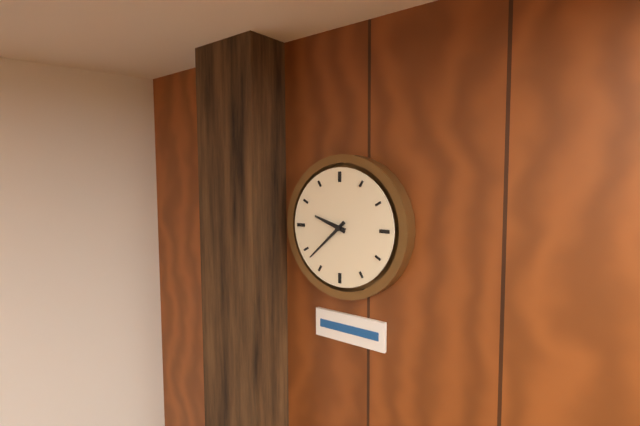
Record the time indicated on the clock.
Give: 9:38
